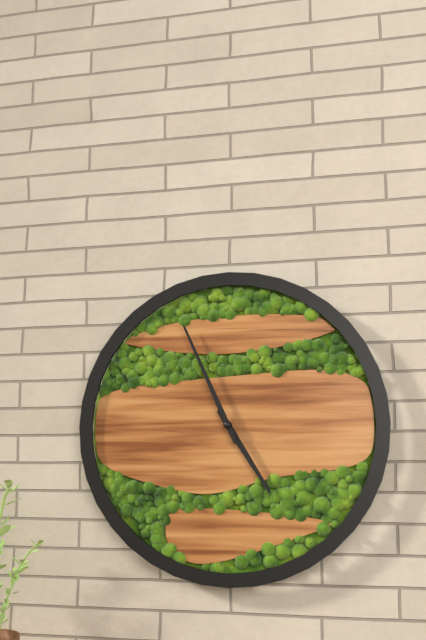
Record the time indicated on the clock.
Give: 4:56
